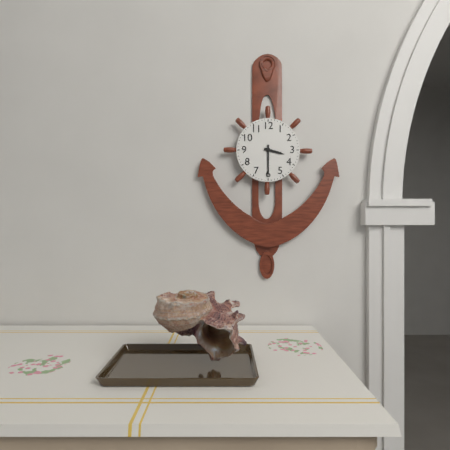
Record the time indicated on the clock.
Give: 3:30
